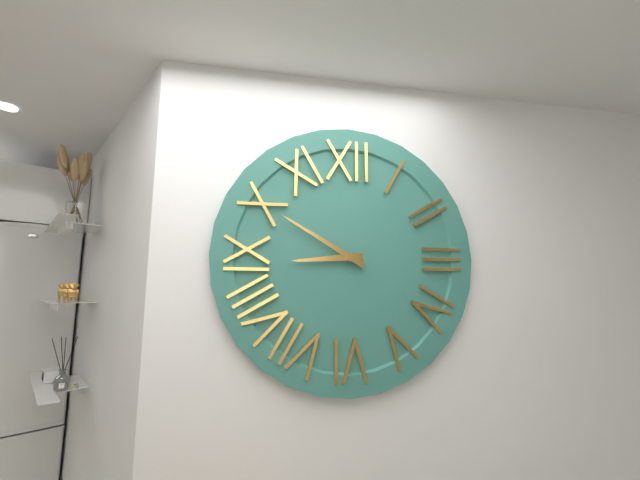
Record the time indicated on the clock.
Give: 8:50
